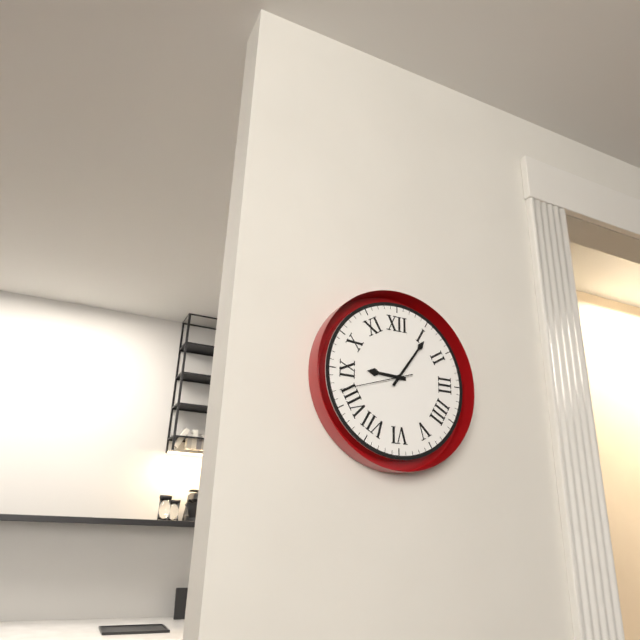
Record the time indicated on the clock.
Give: 9:06:42
